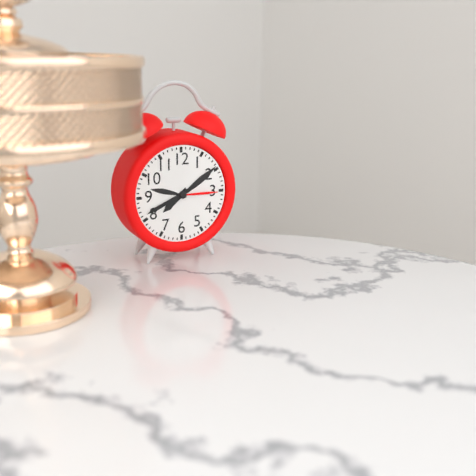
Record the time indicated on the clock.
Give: 7:41
